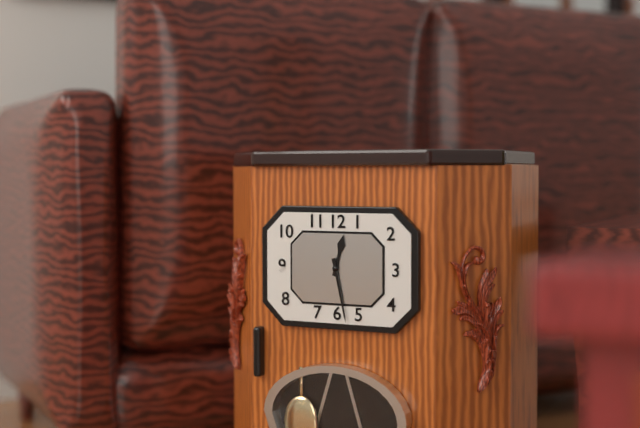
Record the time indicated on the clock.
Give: 12:28
